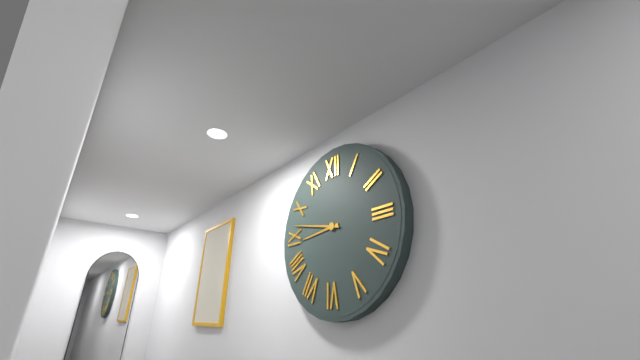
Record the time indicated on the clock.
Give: 8:47
